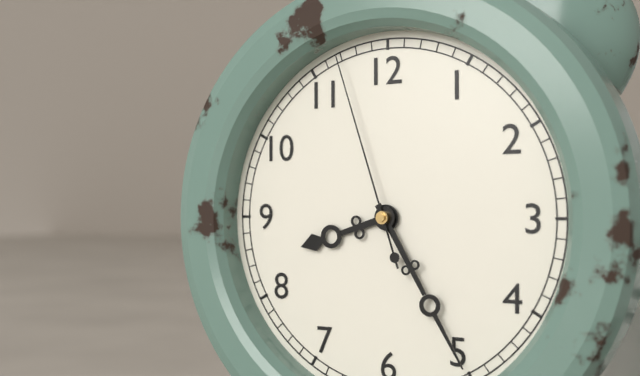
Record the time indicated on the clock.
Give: 8:25:57
